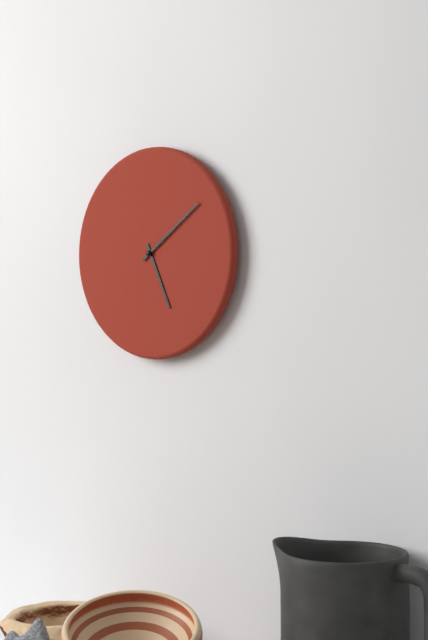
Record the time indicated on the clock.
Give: 5:09
